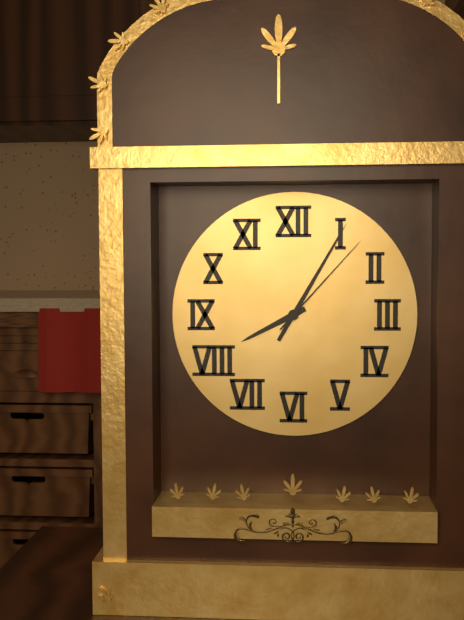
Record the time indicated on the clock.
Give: 8:05:07
